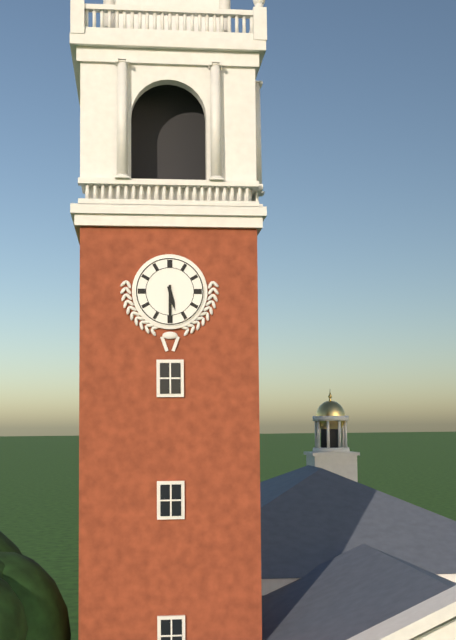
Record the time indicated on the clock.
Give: 5:30
